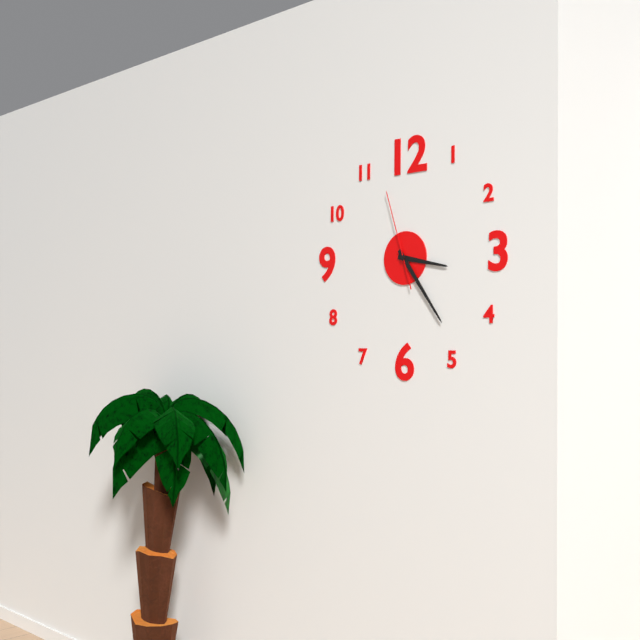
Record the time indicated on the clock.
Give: 3:24:57
